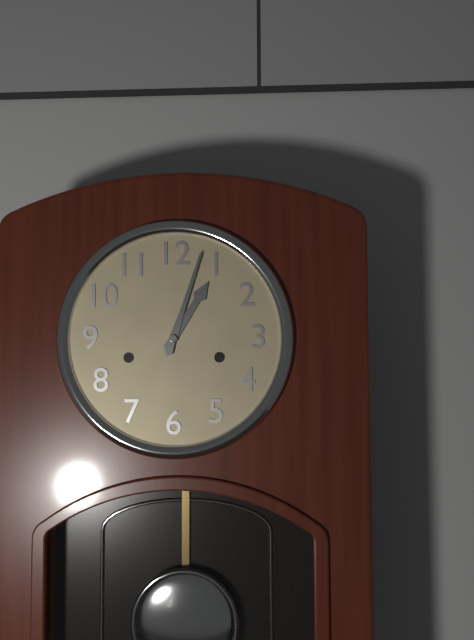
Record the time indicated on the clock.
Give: 1:03
